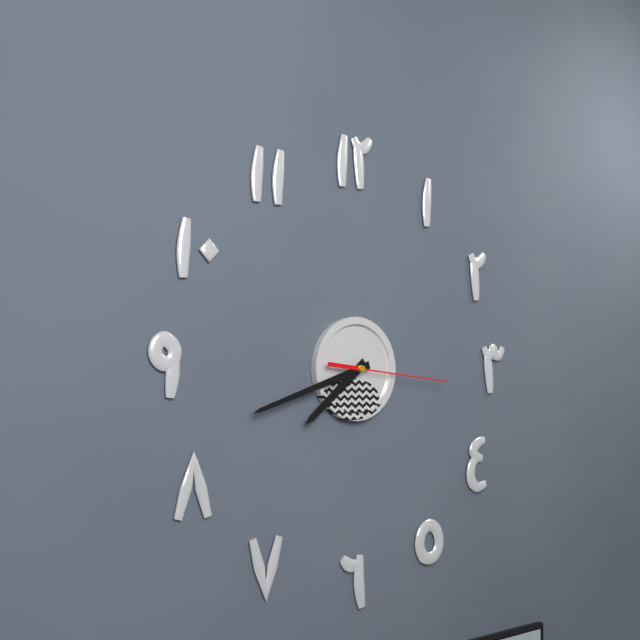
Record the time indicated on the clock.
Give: 7:42:16
